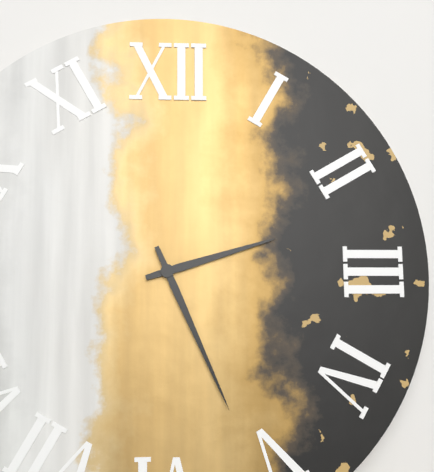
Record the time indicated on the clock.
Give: 2:26
